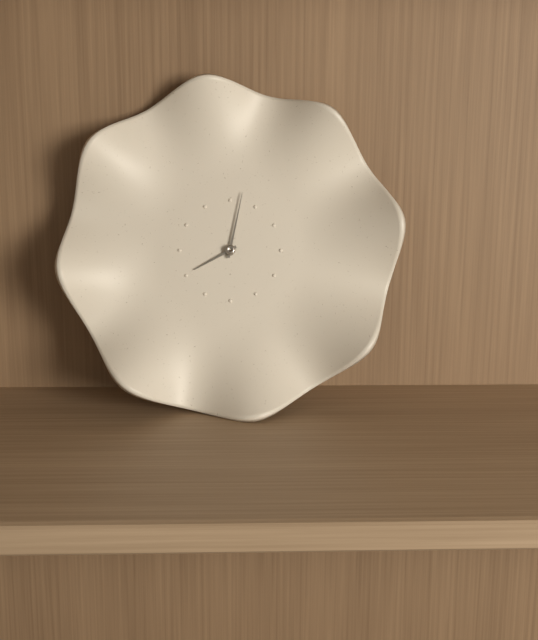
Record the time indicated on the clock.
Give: 8:02
